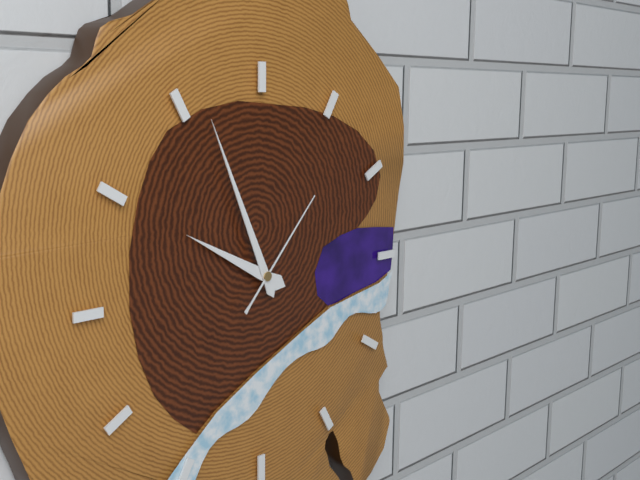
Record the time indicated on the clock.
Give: 9:56:07
